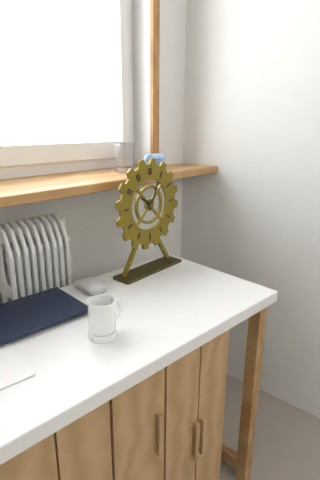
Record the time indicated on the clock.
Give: 10:04
